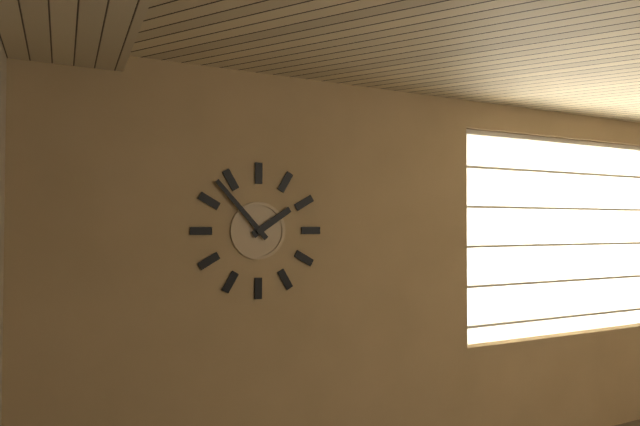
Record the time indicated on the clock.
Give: 1:53
